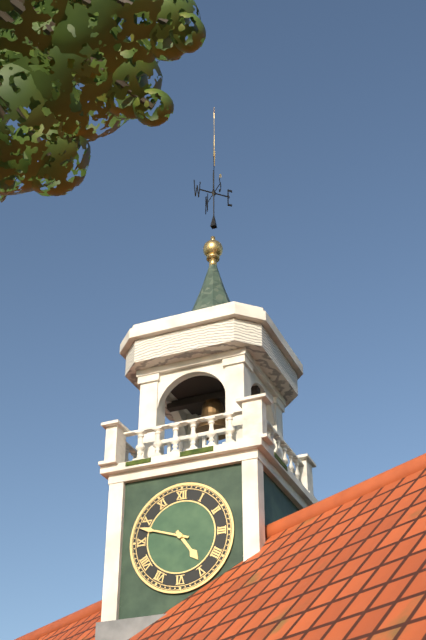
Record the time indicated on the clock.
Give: 4:48
